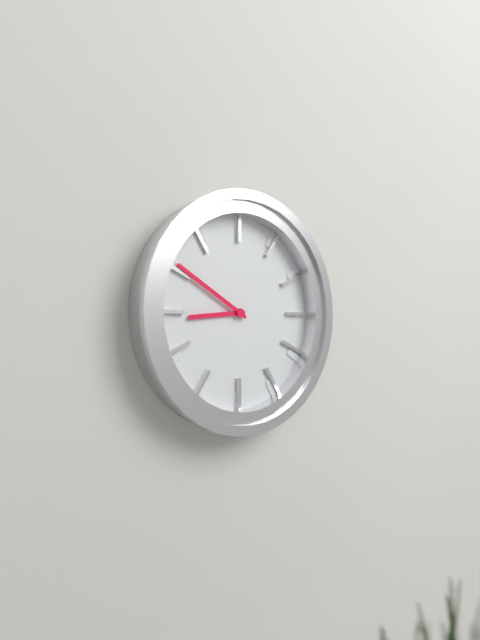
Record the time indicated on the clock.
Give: 8:50
